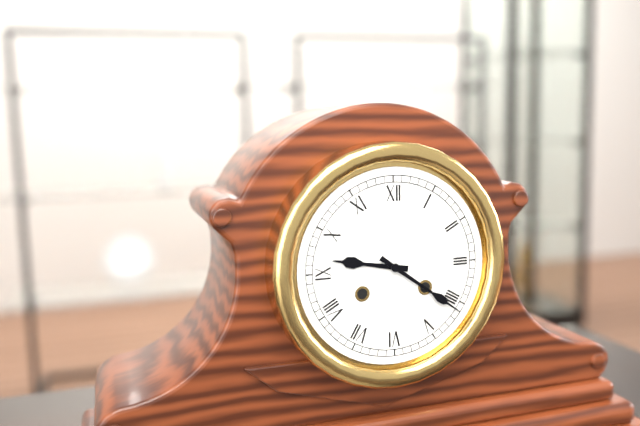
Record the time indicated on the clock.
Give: 9:21
